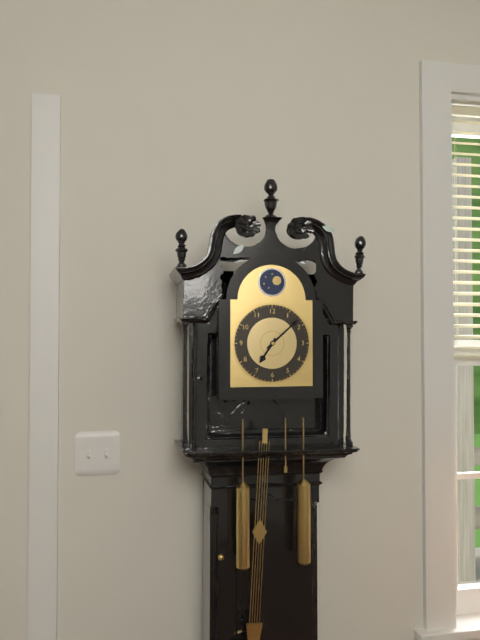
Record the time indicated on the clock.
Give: 7:08
